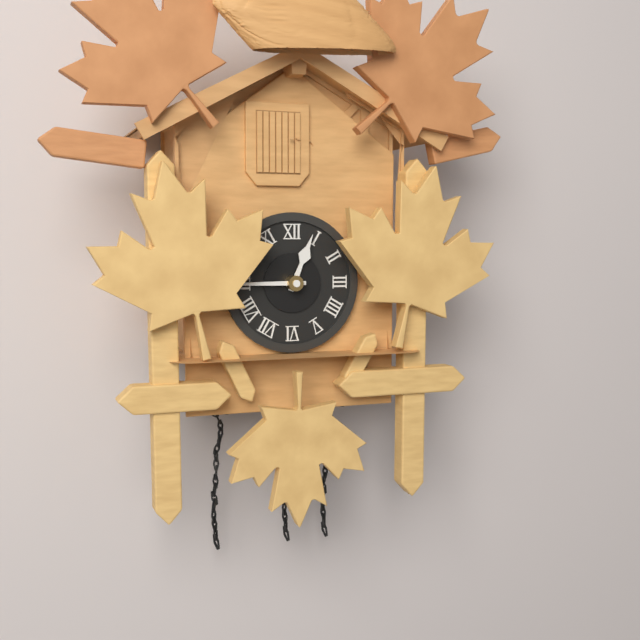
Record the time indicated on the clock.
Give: 12:45
